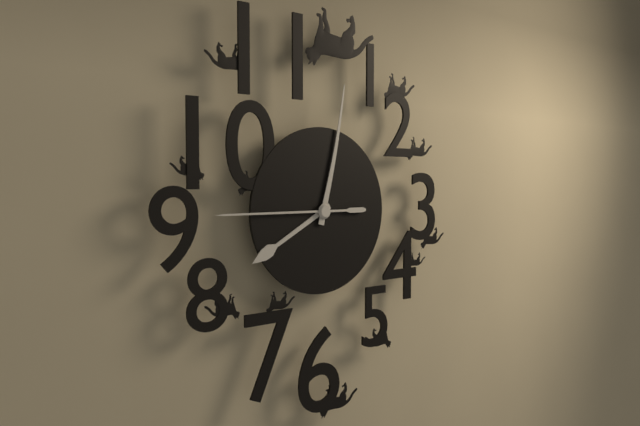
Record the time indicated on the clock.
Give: 8:02:45
